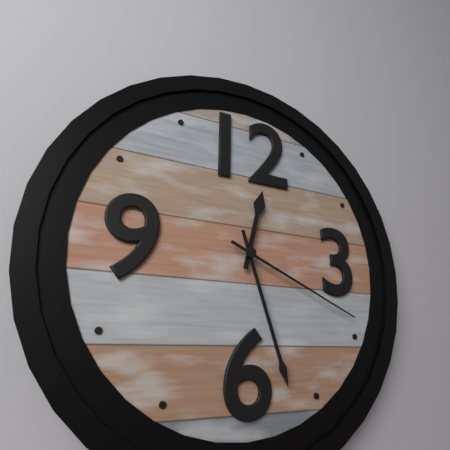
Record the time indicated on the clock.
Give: 12:27:19
